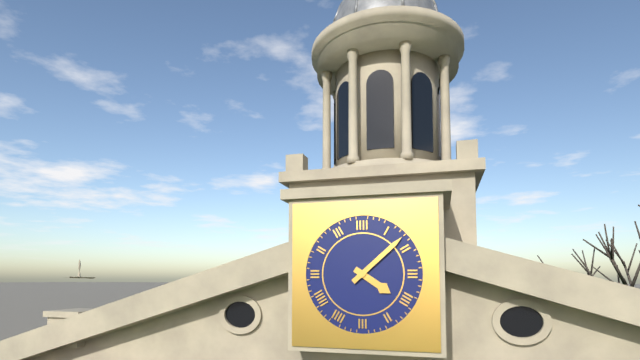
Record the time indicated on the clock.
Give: 4:08
